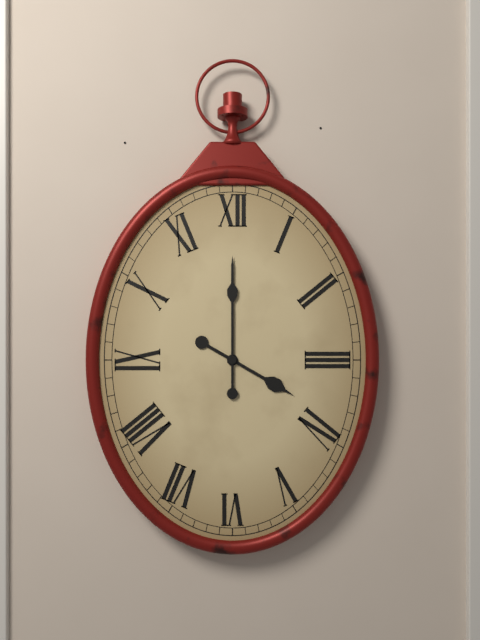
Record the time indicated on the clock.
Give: 4:00
